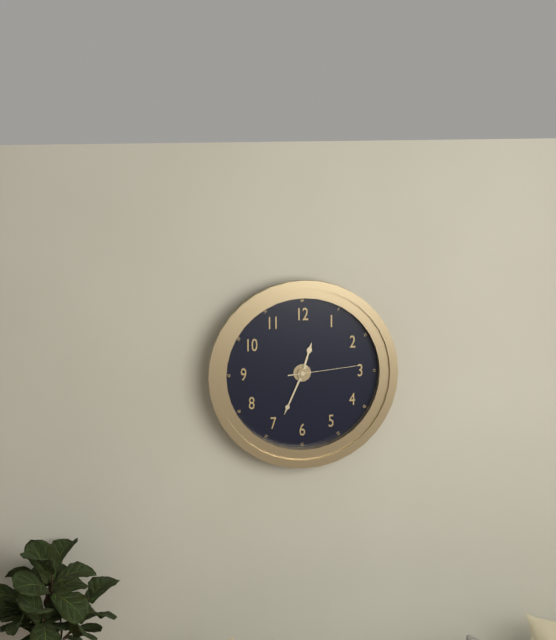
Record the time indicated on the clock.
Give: 12:34:14
